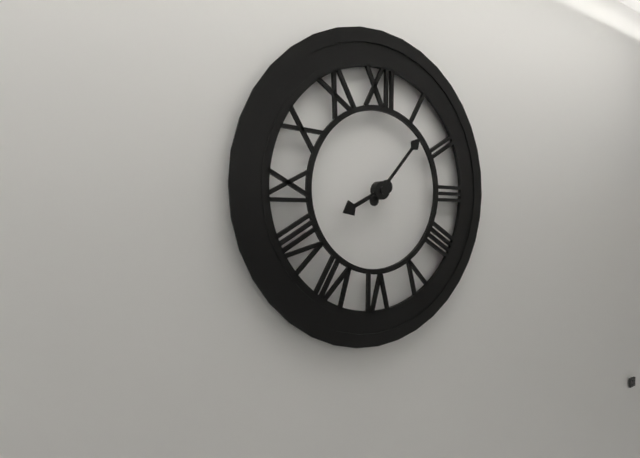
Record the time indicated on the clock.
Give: 8:07
